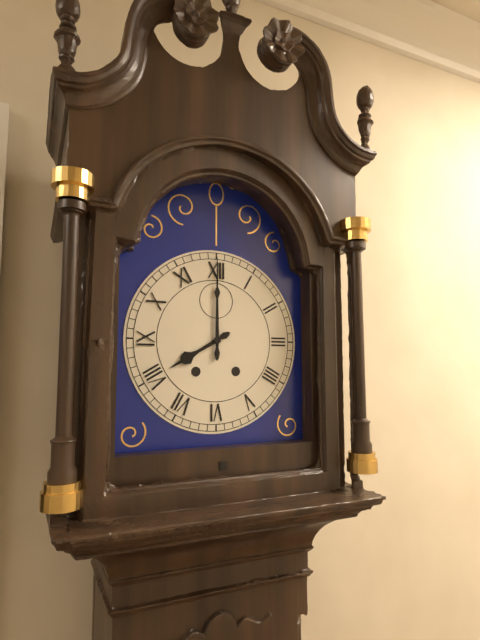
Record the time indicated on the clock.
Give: 8:00
